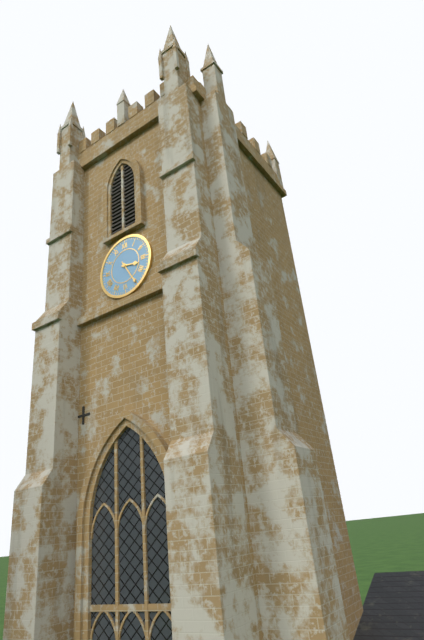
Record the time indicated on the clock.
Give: 3:25
